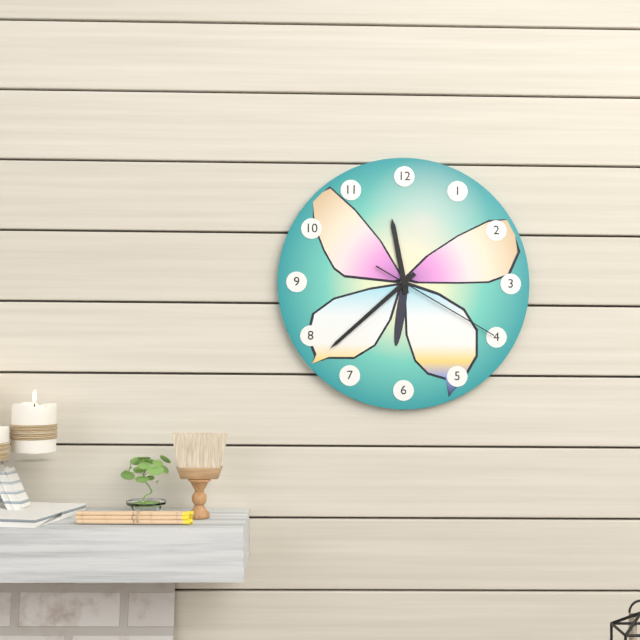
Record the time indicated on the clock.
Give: 11:38:20
